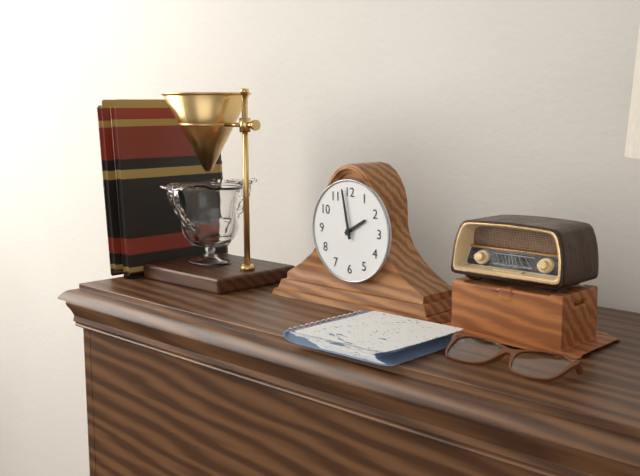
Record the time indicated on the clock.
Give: 1:58
